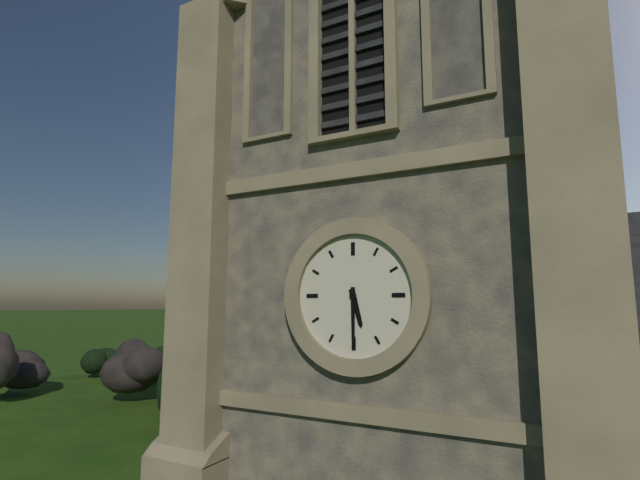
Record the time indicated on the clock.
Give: 5:30
